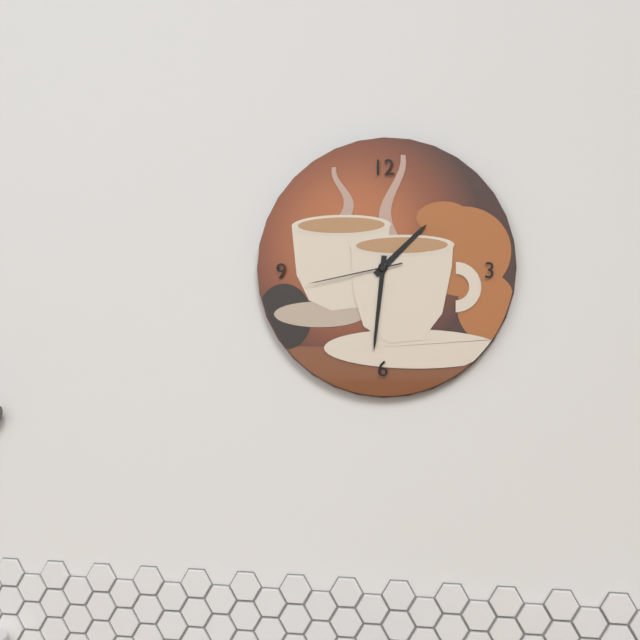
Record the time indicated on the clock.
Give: 1:31:43
